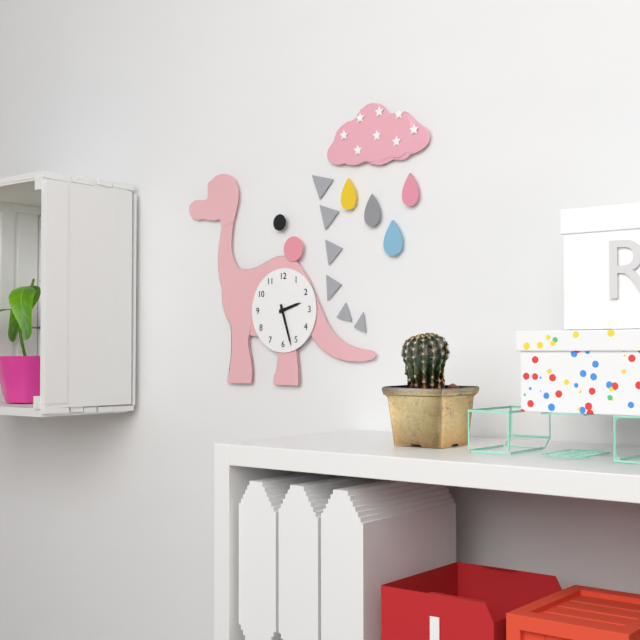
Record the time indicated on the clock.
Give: 2:27
